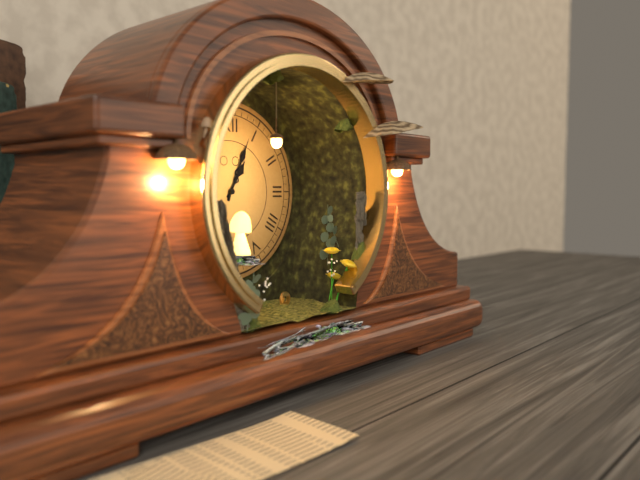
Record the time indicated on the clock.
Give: 1:04
